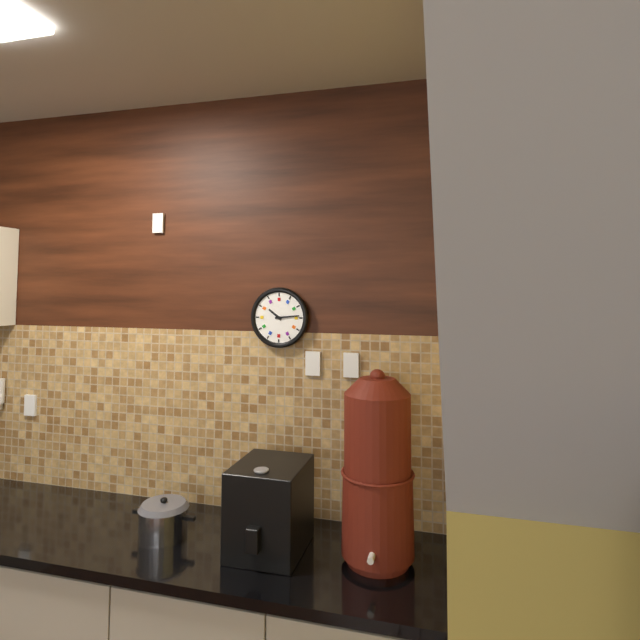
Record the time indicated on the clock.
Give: 10:14
